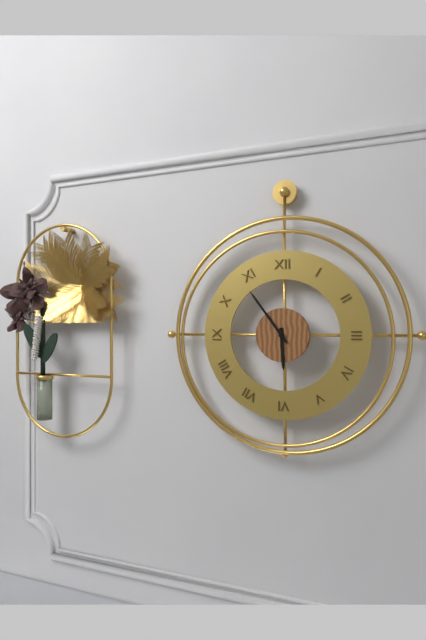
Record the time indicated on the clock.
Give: 5:54
